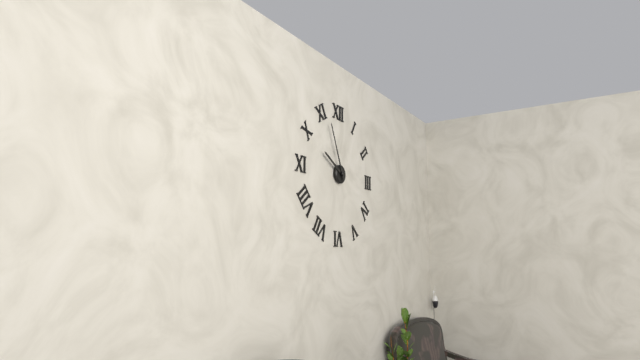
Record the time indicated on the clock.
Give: 9:56
